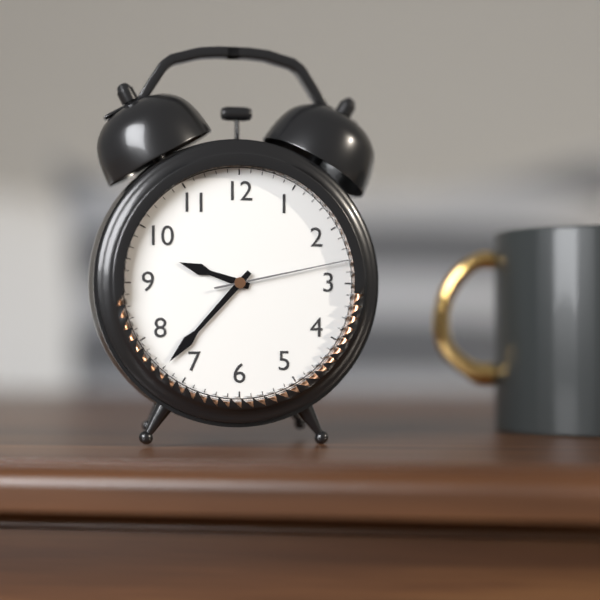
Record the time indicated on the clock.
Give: 9:37:13
